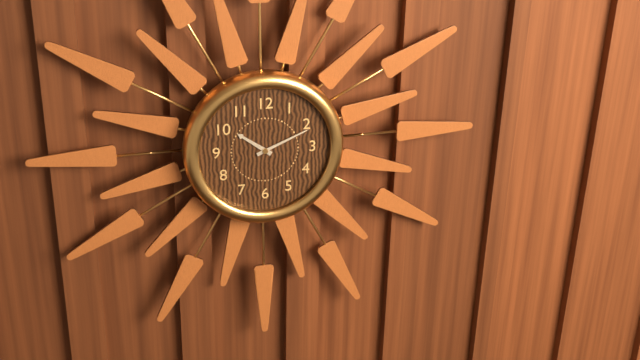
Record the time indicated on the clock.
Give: 10:11
